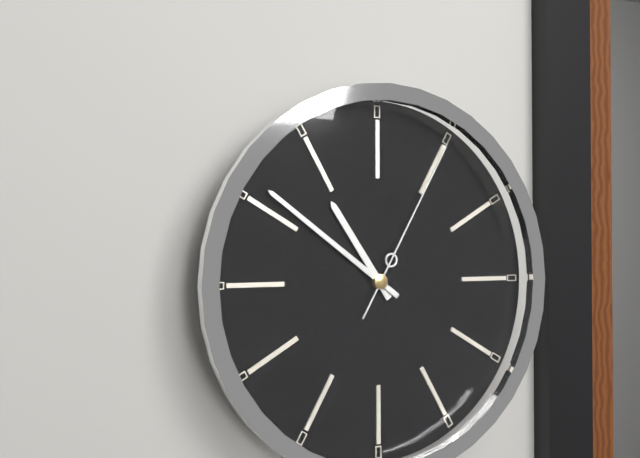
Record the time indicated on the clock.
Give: 10:51:05
